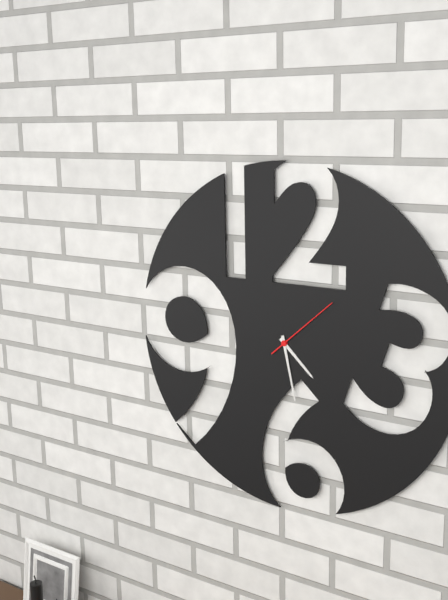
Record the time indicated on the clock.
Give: 4:28:08
